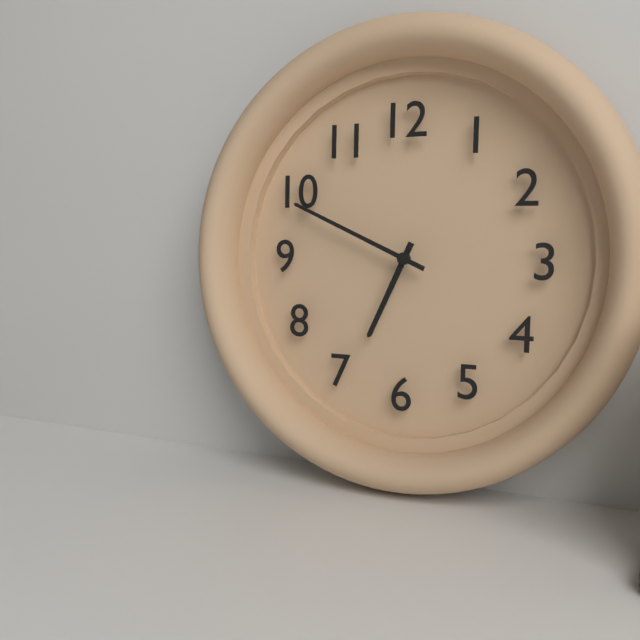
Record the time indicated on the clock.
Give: 6:49
